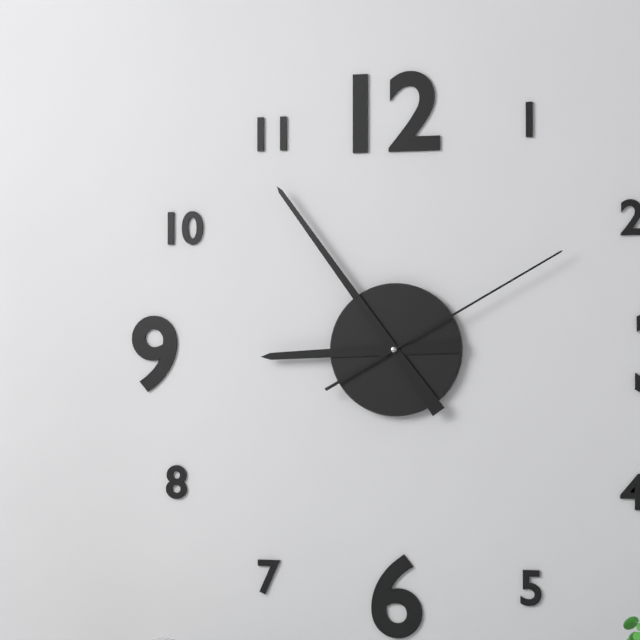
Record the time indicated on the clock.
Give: 8:54:10
